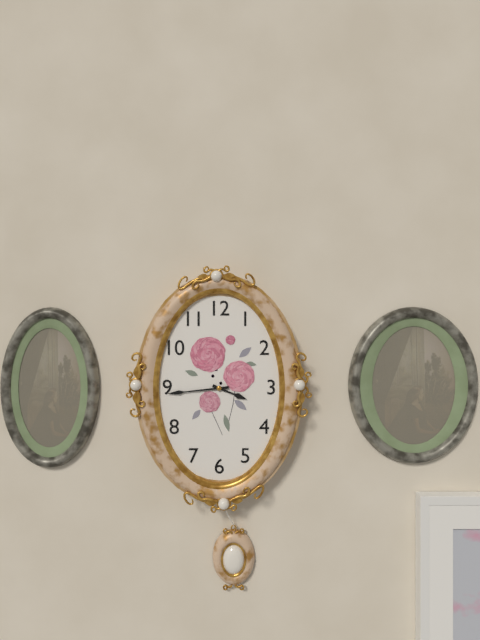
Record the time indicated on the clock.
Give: 3:44
